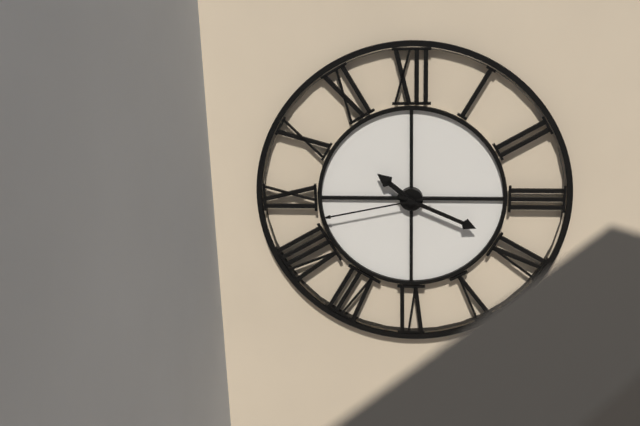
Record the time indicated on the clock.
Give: 10:19:43
